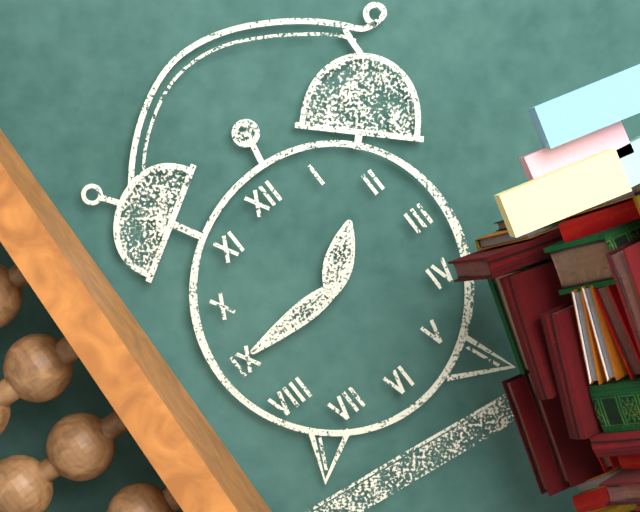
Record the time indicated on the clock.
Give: 1:45
